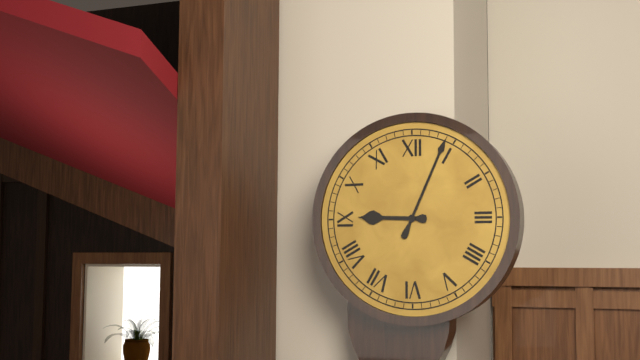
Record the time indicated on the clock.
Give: 9:04
